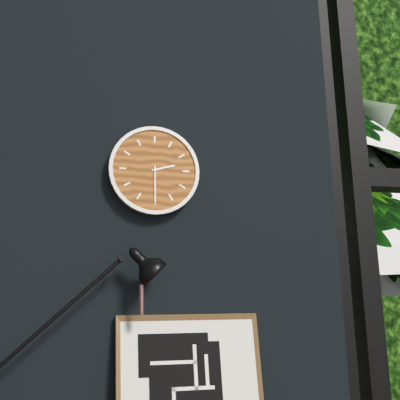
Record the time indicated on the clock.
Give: 2:30
